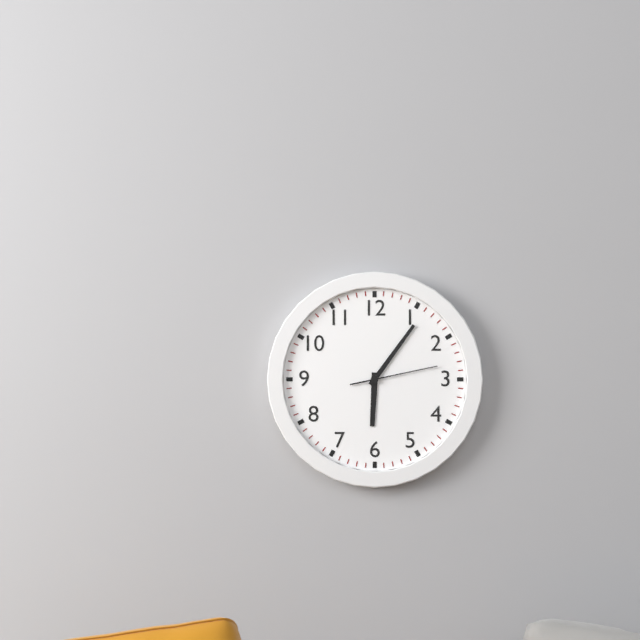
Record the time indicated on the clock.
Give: 6:06:13
